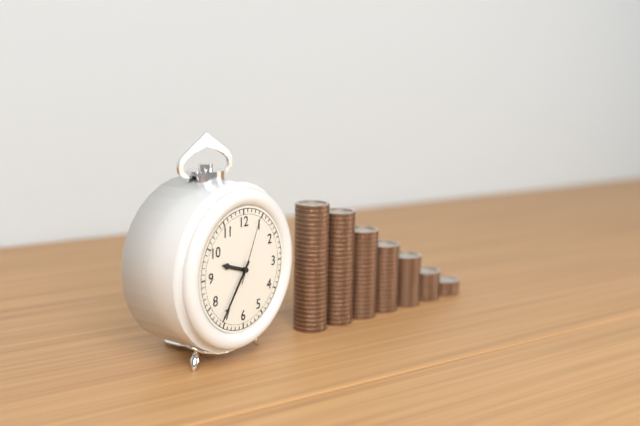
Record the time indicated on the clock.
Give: 9:36:04
